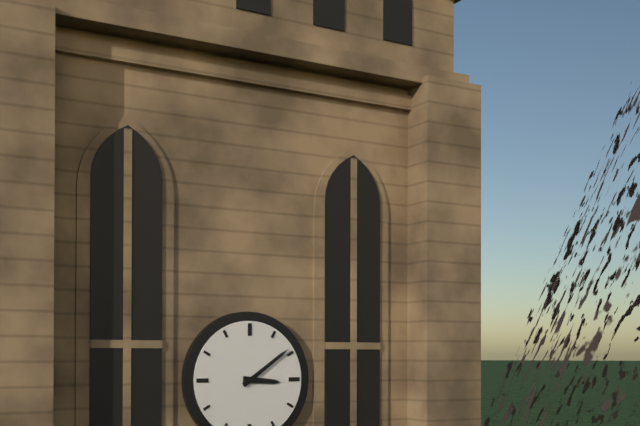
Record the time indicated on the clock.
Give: 3:09
